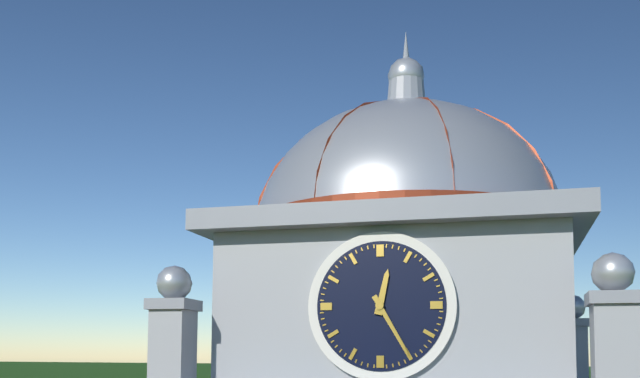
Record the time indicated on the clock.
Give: 12:25
